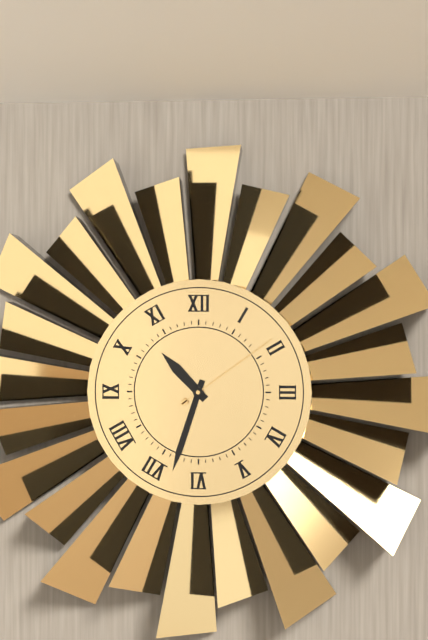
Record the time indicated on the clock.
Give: 10:33:09
